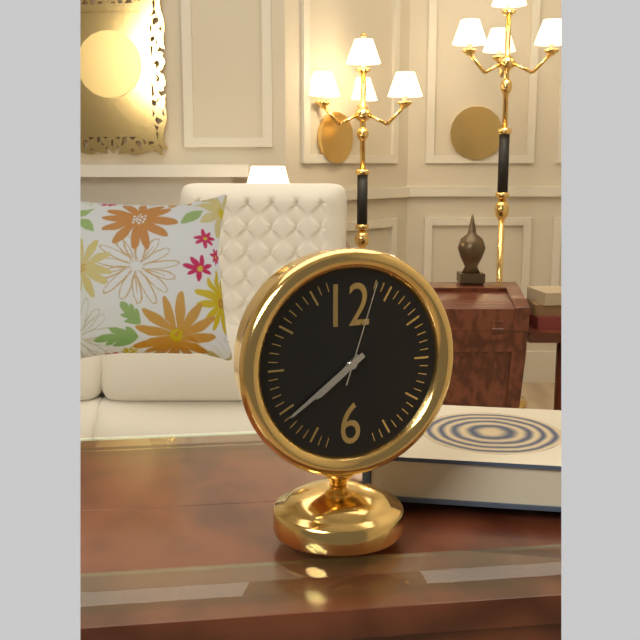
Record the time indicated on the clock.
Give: 7:39:03
